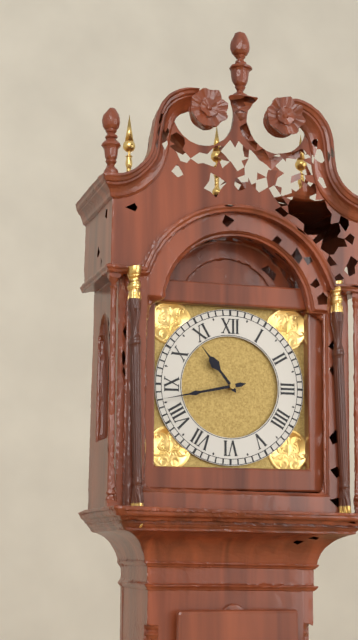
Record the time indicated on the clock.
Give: 10:43
